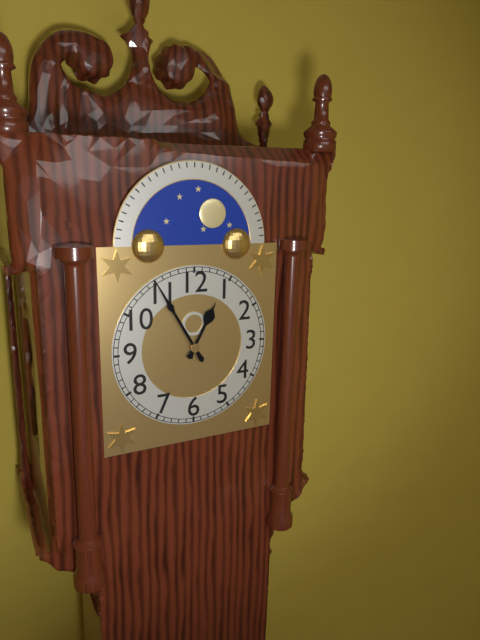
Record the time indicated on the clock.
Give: 12:55
